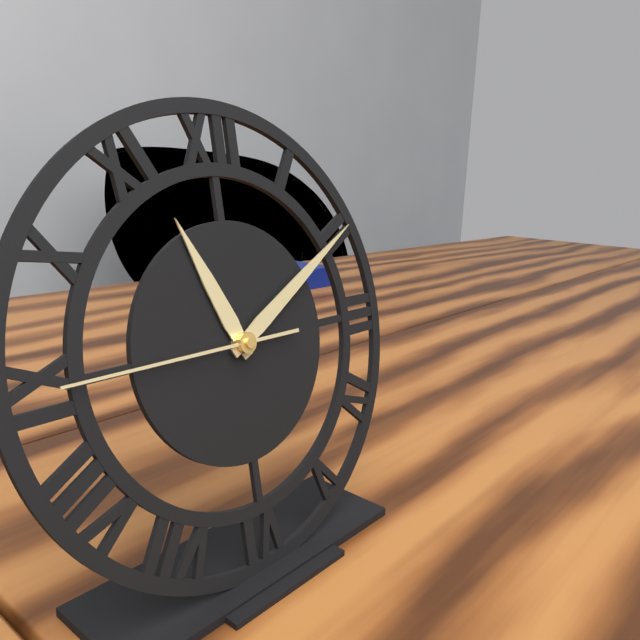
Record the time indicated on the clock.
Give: 11:10:45
